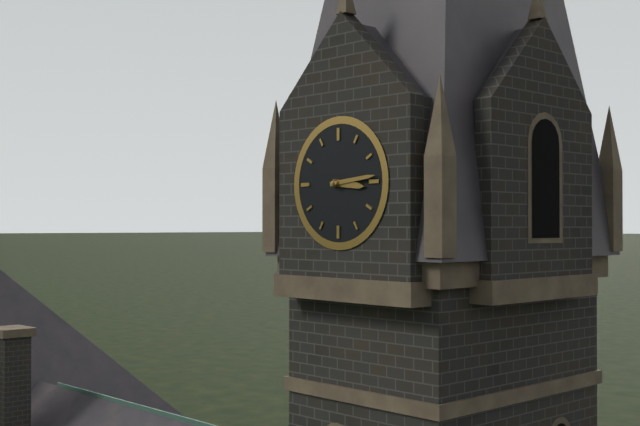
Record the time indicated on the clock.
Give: 3:14
